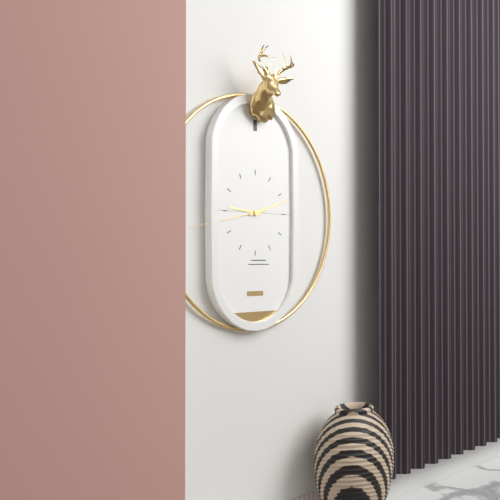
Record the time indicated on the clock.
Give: 9:12:43
